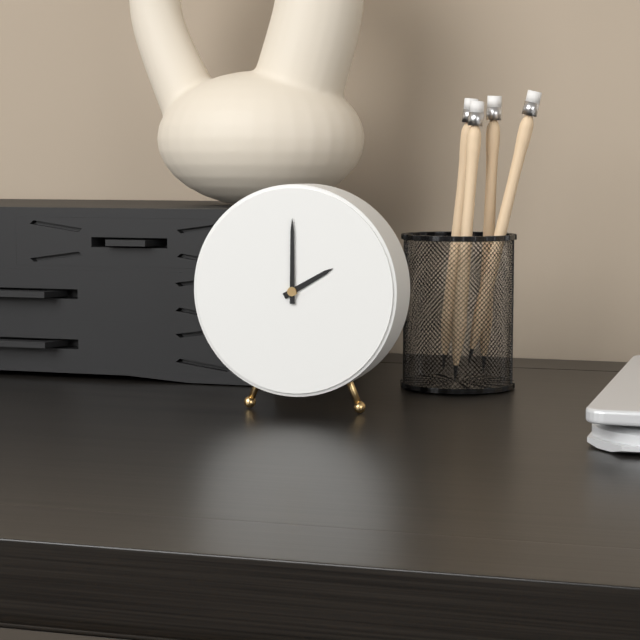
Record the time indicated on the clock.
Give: 2:00
